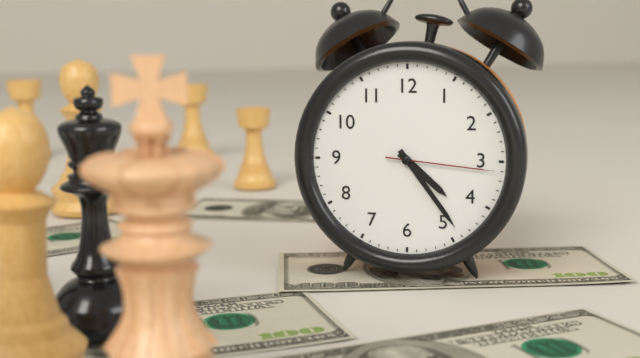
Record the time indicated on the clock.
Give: 4:24:16
